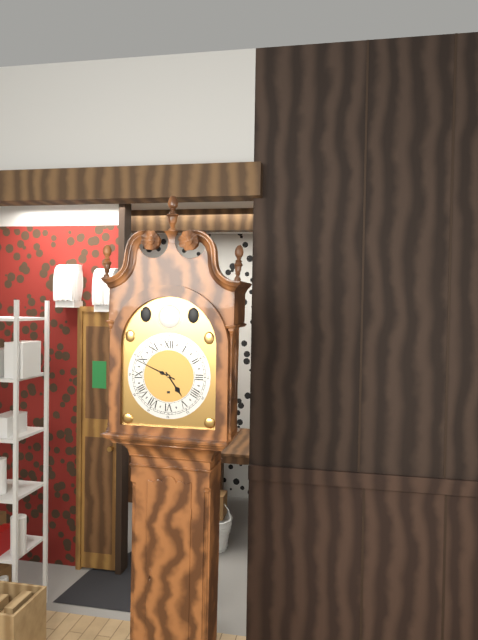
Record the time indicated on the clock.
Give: 4:49
